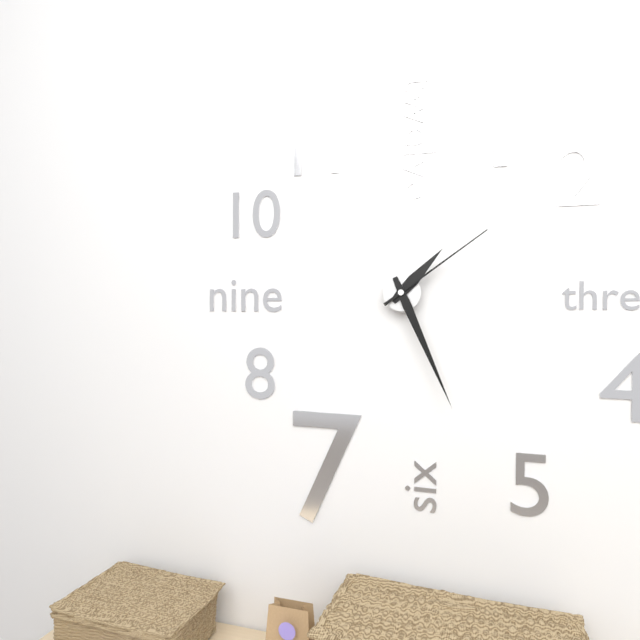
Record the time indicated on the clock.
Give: 1:26:09
